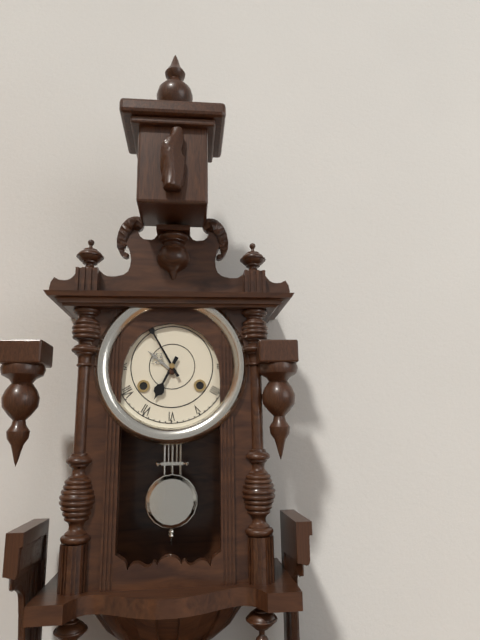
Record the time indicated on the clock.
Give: 6:55
